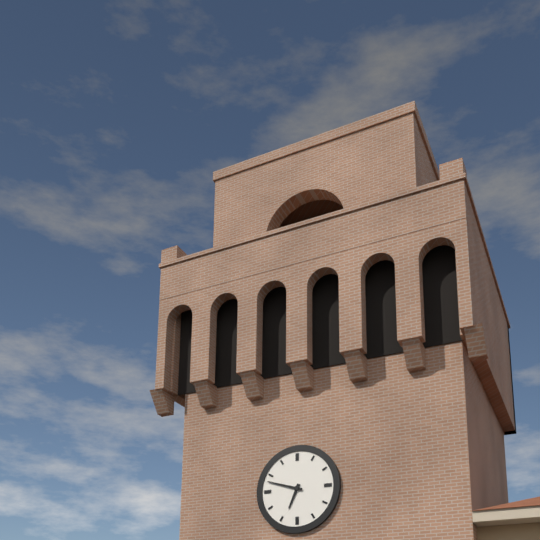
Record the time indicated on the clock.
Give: 6:48
